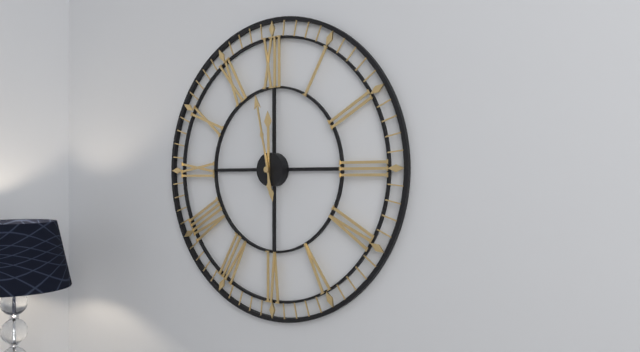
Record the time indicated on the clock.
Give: 11:58
